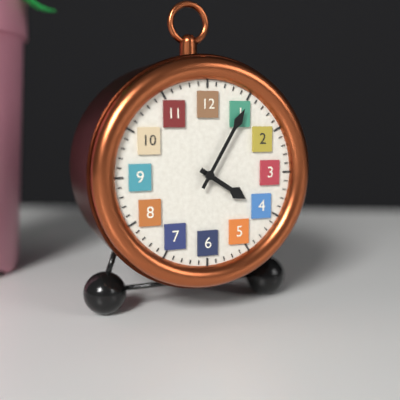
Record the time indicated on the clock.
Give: 4:05
